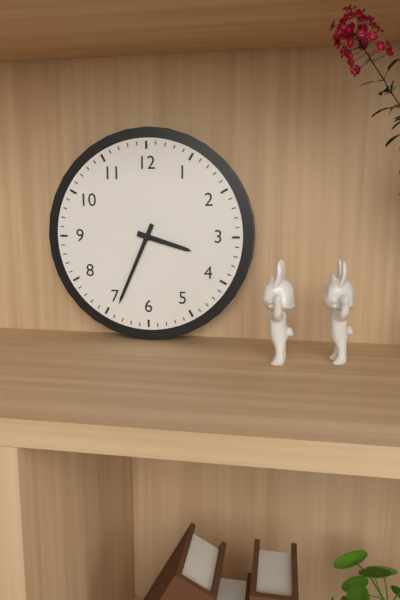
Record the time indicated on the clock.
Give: 3:34
